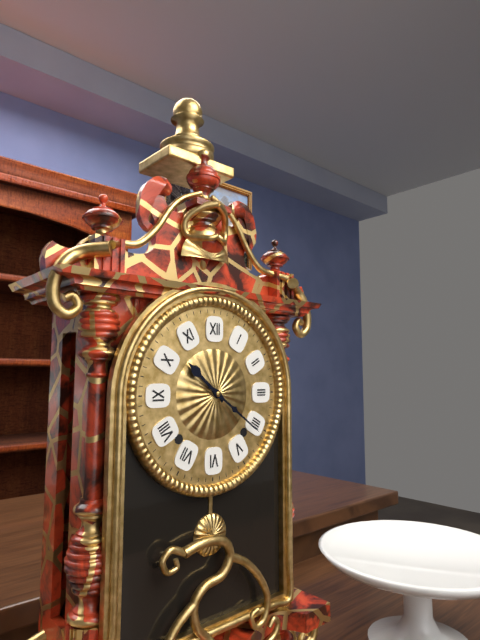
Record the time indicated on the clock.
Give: 10:21
